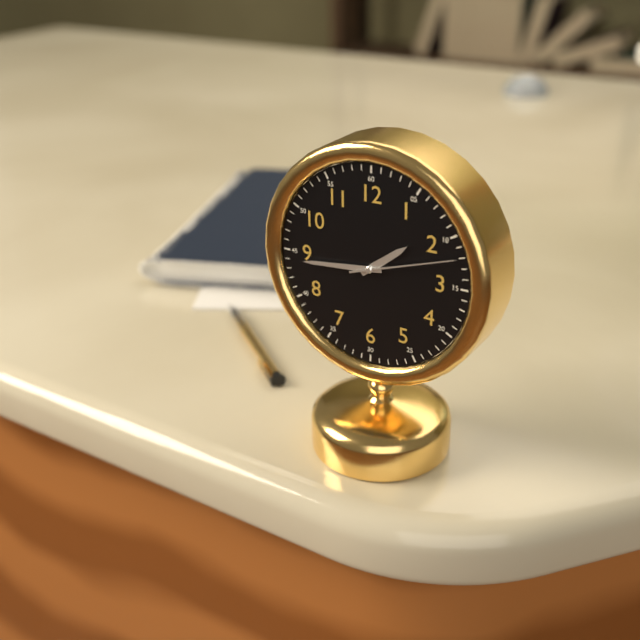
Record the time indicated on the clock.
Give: 1:44:12
